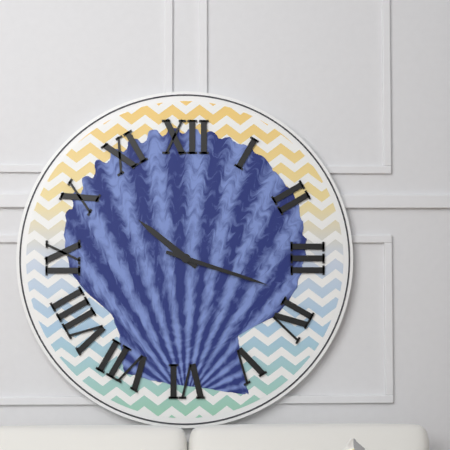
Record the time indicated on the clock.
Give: 10:18
